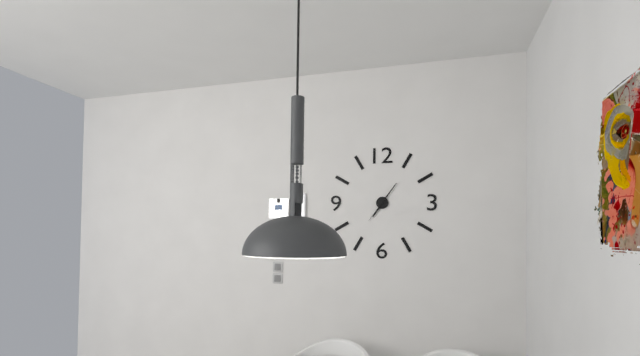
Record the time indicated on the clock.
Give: 7:06
